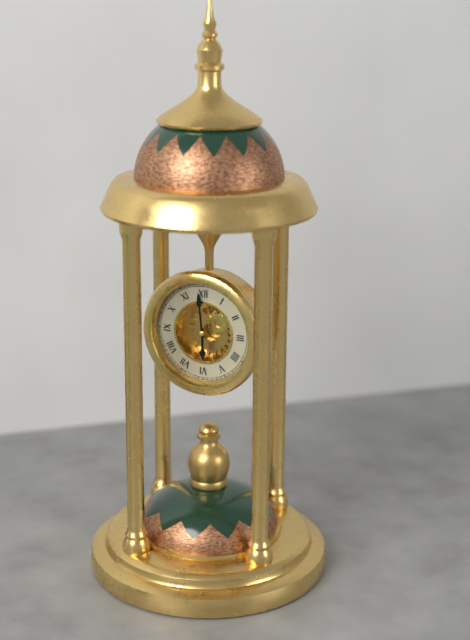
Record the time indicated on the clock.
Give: 5:59
